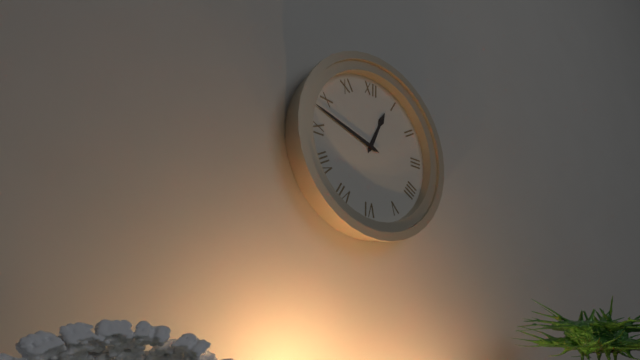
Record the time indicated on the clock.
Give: 12:48
